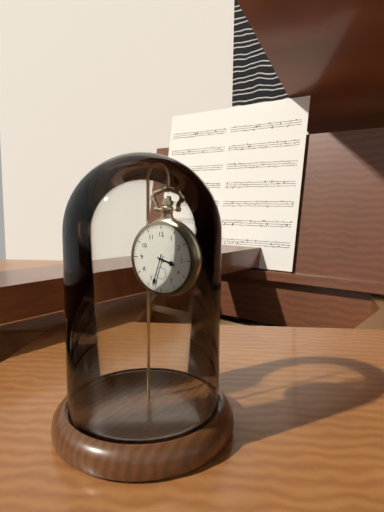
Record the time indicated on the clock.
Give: 3:33
